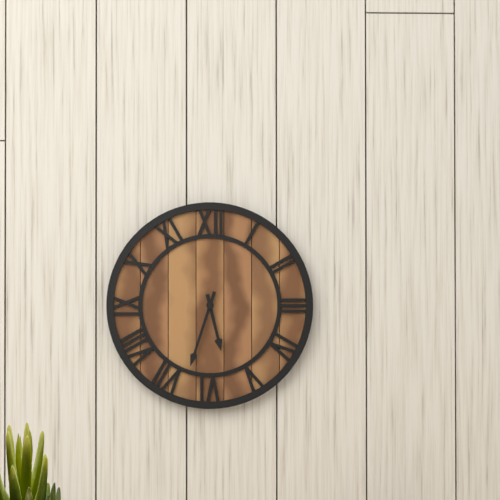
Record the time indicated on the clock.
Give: 5:33
